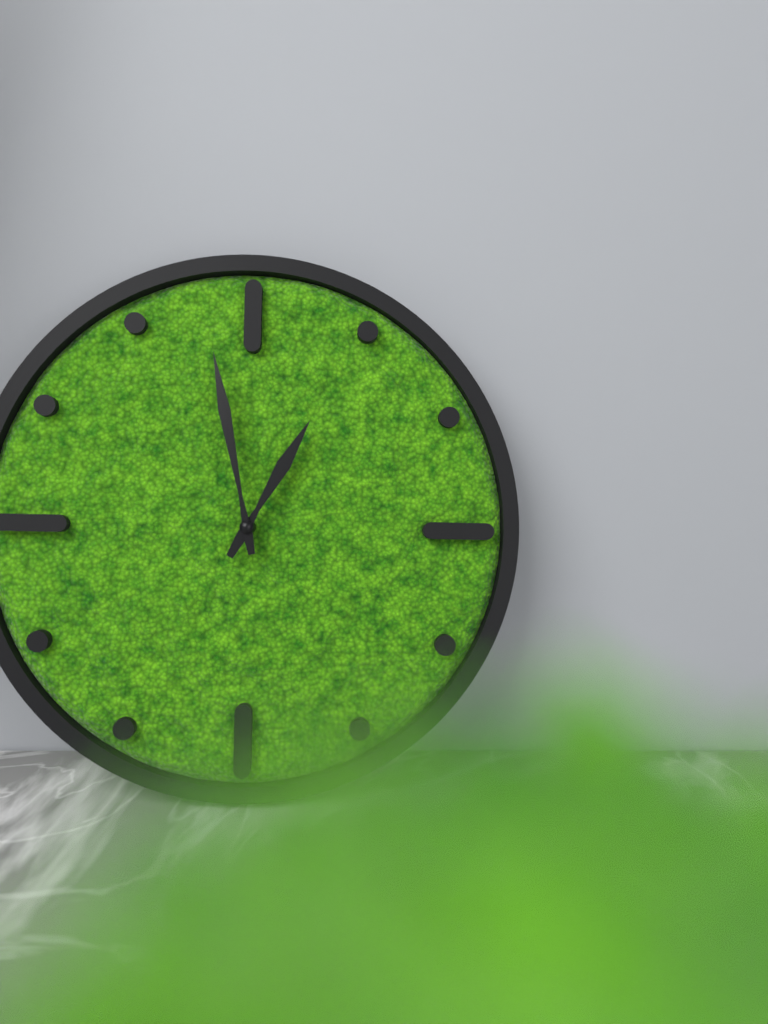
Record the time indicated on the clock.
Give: 12:58
